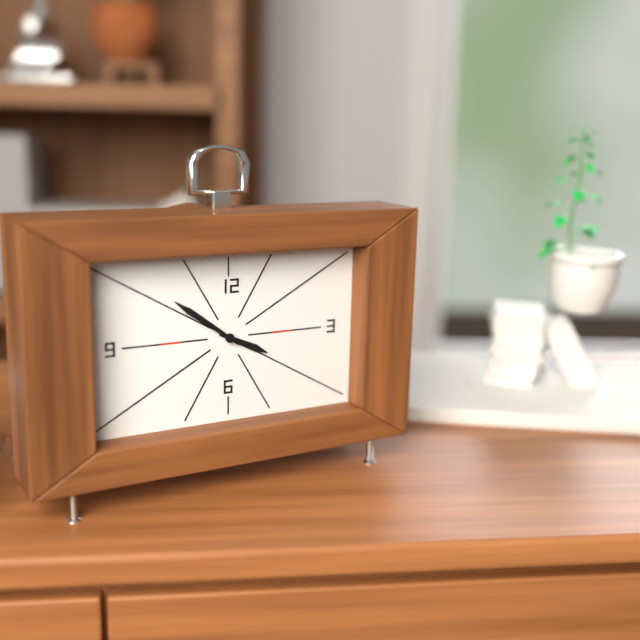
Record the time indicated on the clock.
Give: 3:51
